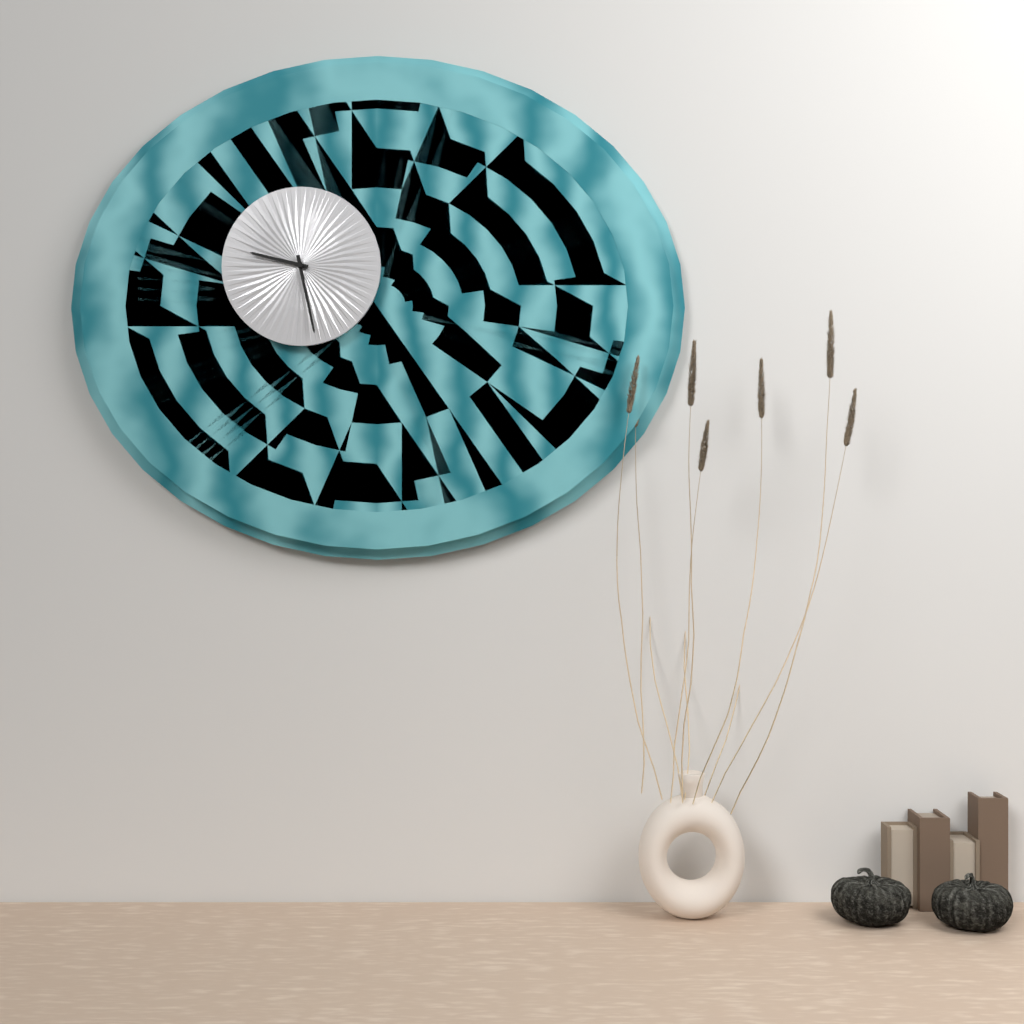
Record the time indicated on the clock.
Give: 9:28
